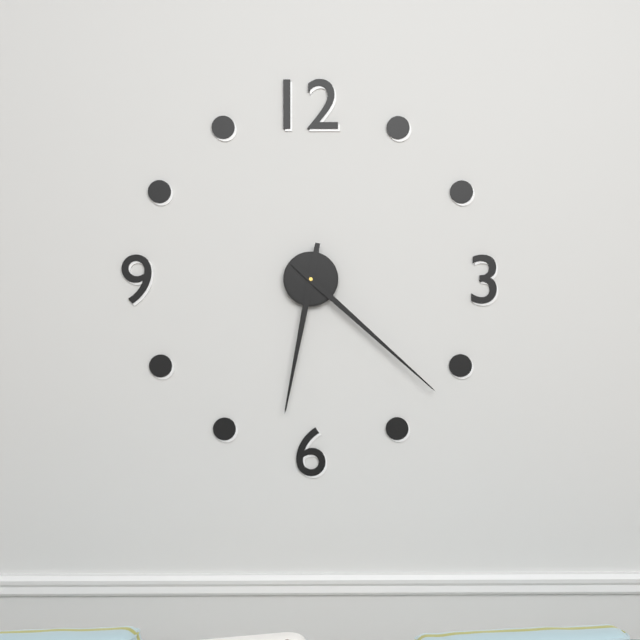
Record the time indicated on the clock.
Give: 6:22
